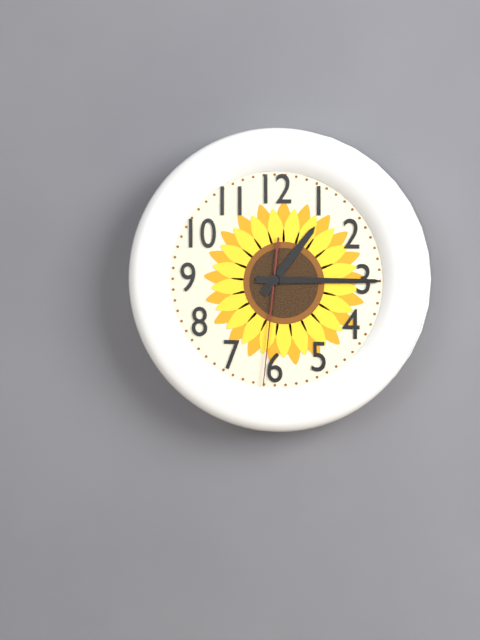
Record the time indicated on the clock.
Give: 1:15:31
